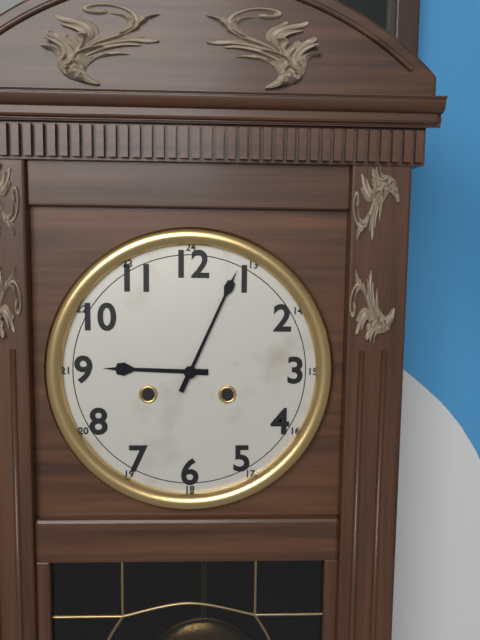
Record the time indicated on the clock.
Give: 9:04
